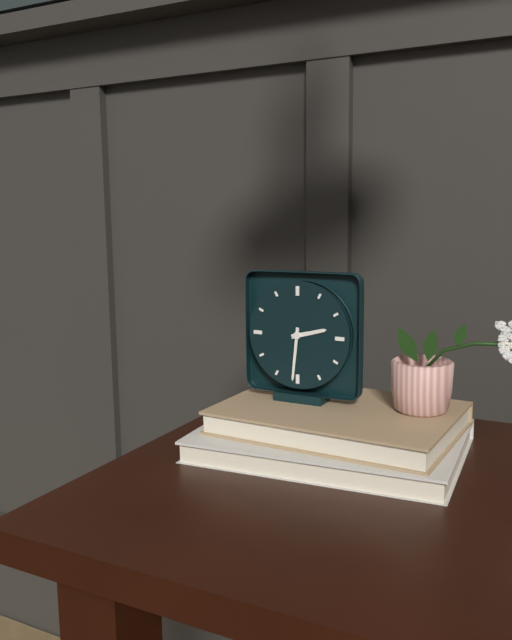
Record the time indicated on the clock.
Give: 2:31
